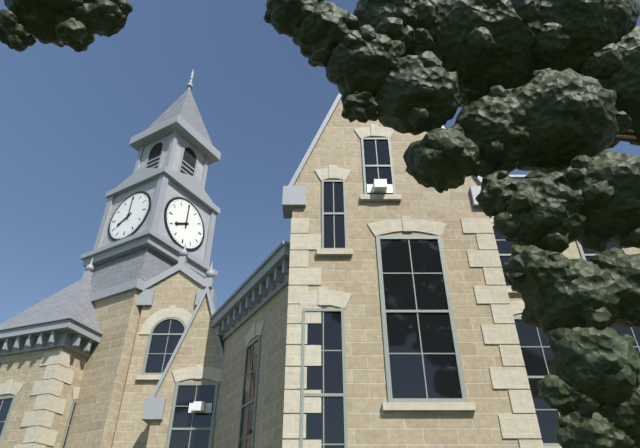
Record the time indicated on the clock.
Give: 8:00
